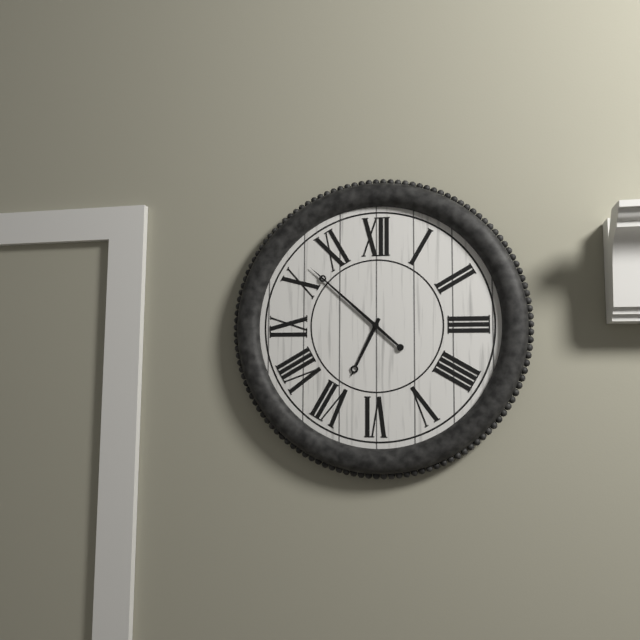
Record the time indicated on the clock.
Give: 6:52
